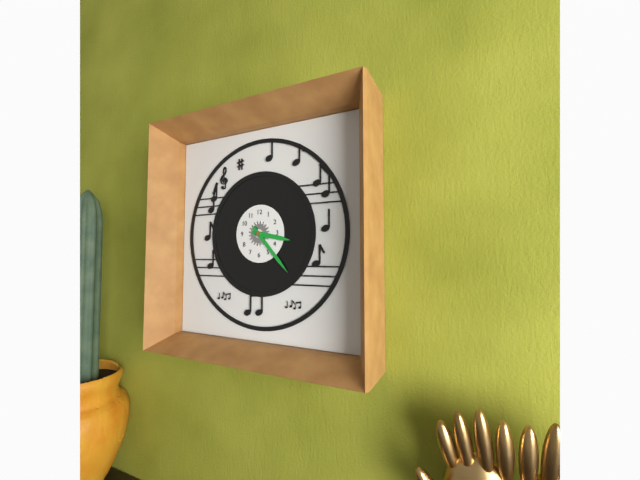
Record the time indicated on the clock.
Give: 3:23
